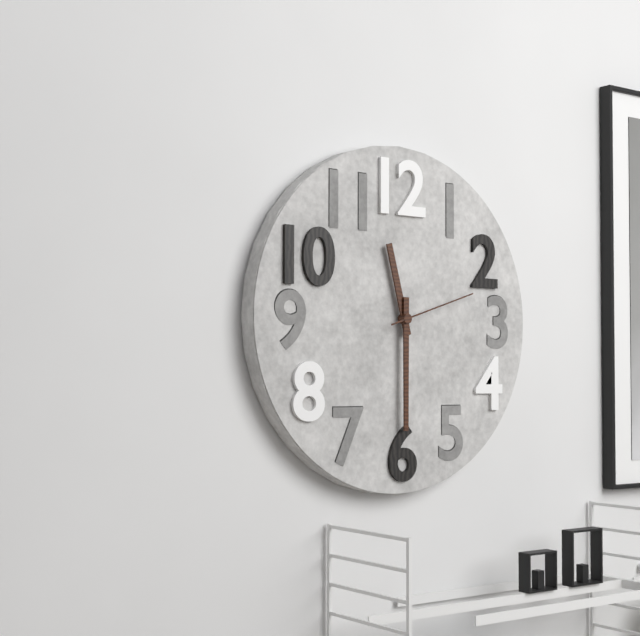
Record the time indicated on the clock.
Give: 11:30:12
